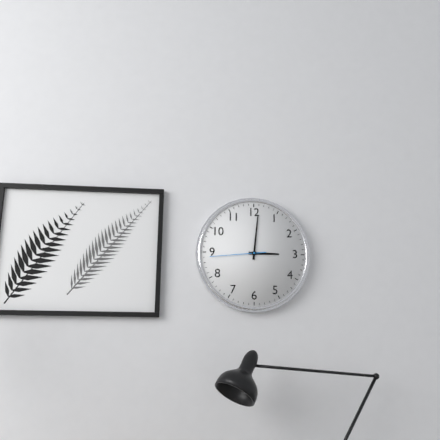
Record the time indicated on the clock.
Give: 3:01:44
